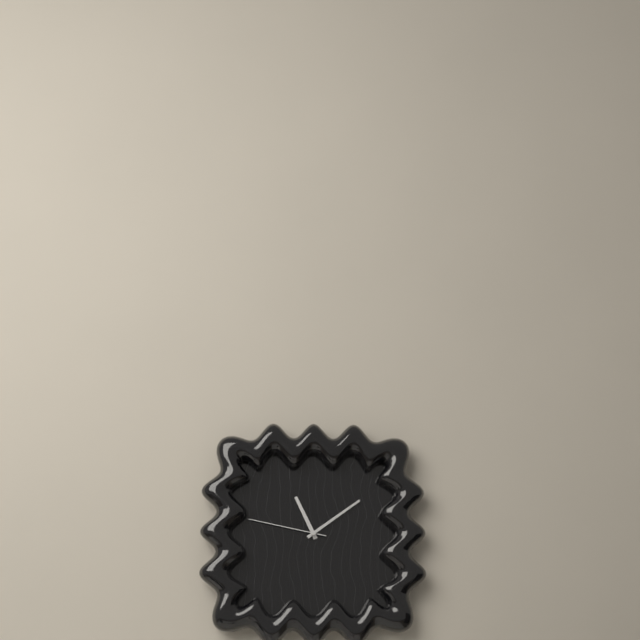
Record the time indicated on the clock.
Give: 11:09:47
